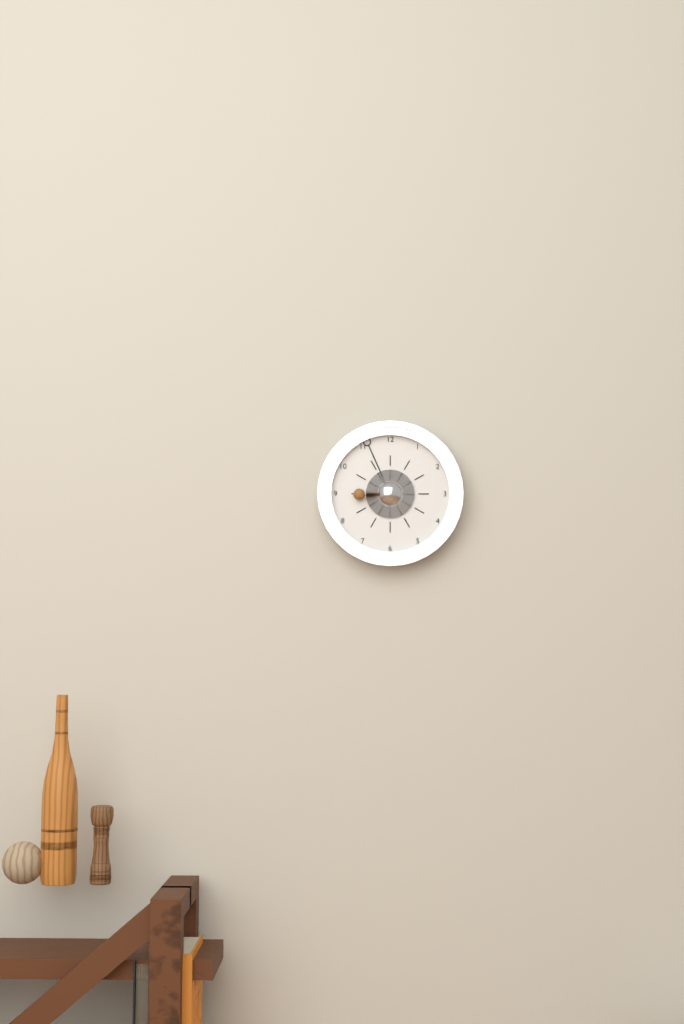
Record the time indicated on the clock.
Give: 8:56
